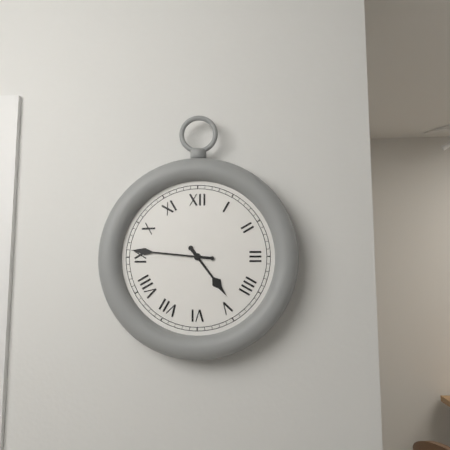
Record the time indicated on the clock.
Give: 4:46
